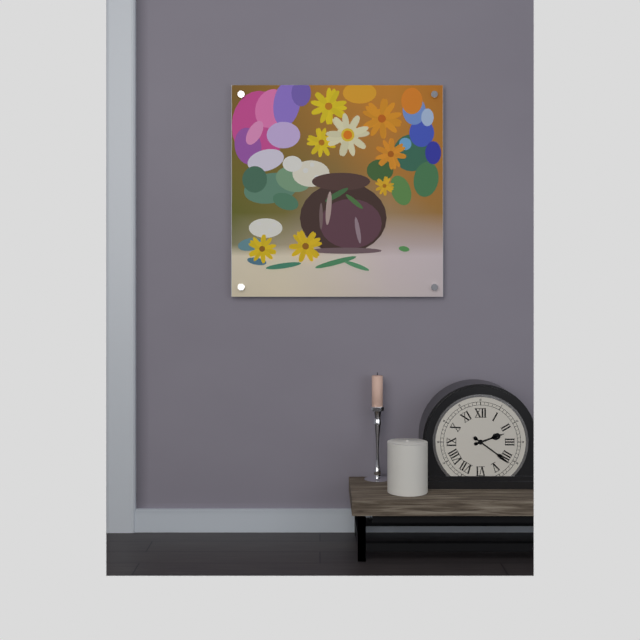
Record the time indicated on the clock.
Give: 2:21
